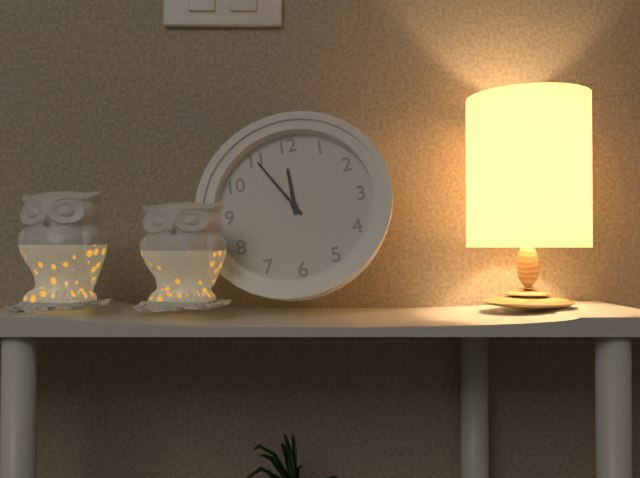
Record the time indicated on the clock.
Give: 11:55
